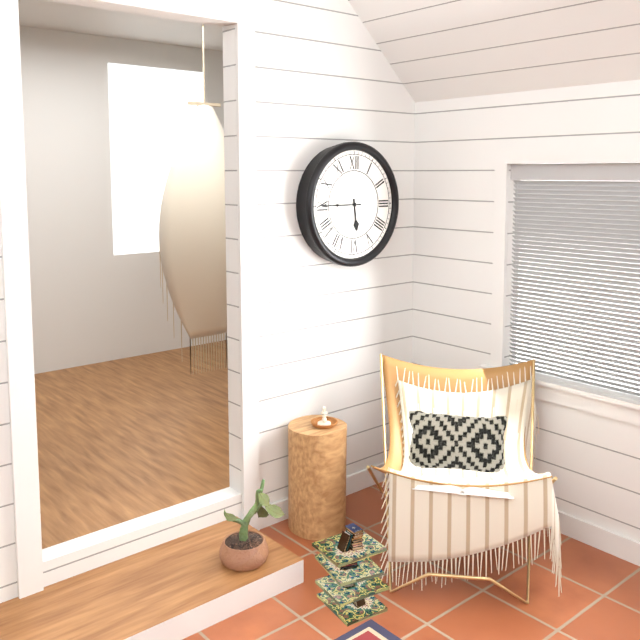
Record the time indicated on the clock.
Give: 5:45
